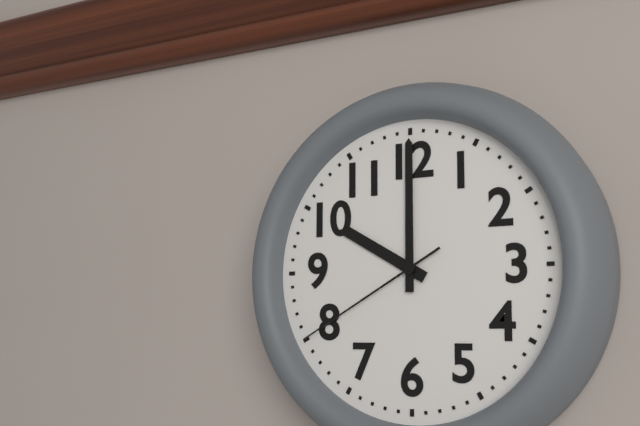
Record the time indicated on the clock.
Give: 10:00:40
